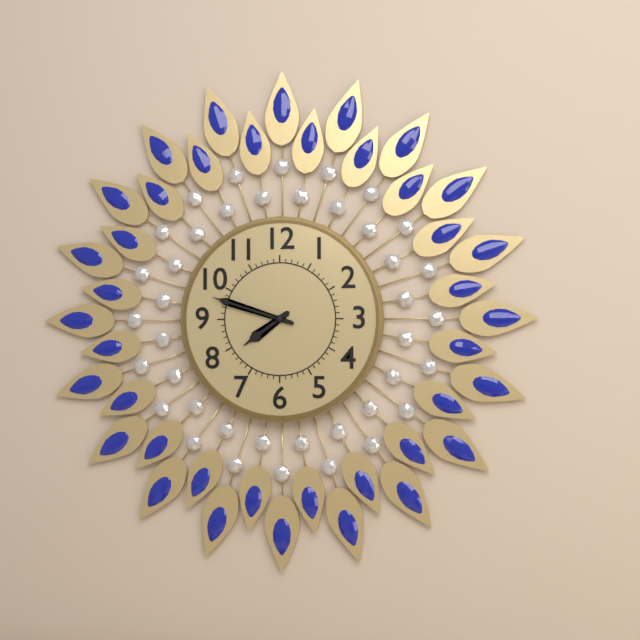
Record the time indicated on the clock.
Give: 7:48
